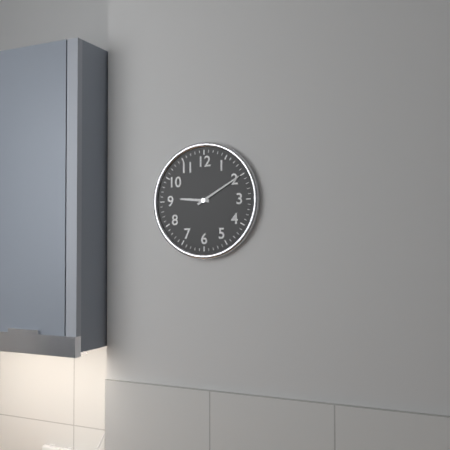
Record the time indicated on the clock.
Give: 9:10
